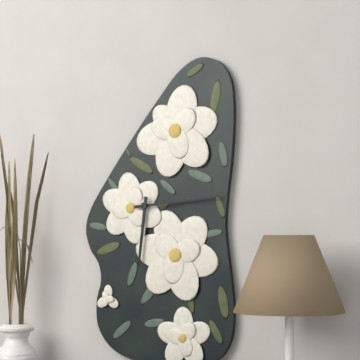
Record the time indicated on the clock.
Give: 6:14
